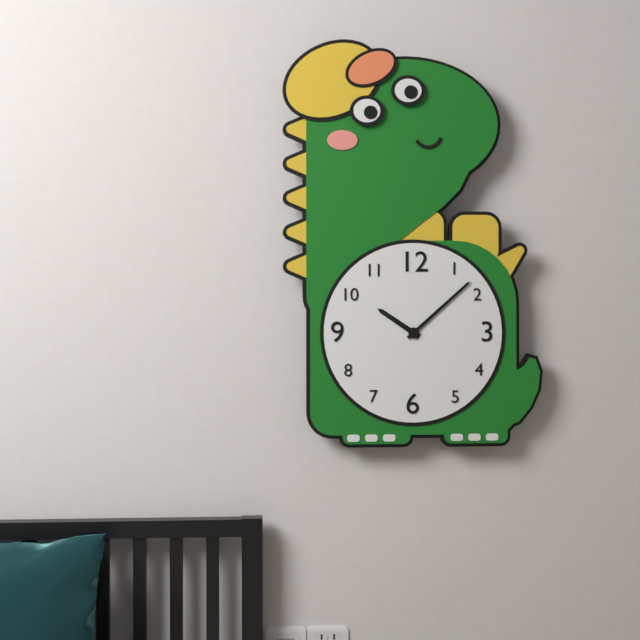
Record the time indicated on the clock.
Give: 10:08
